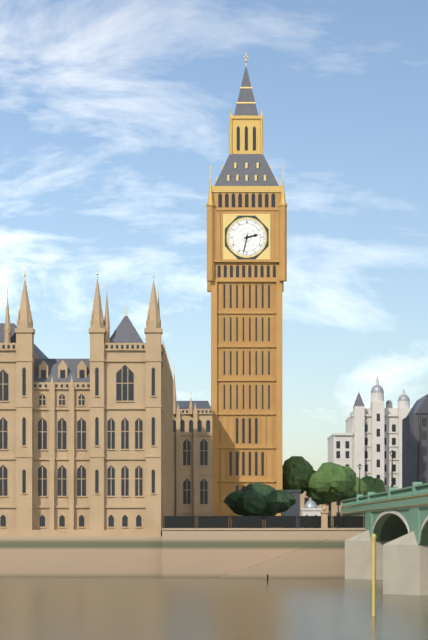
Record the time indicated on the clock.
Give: 2:32
